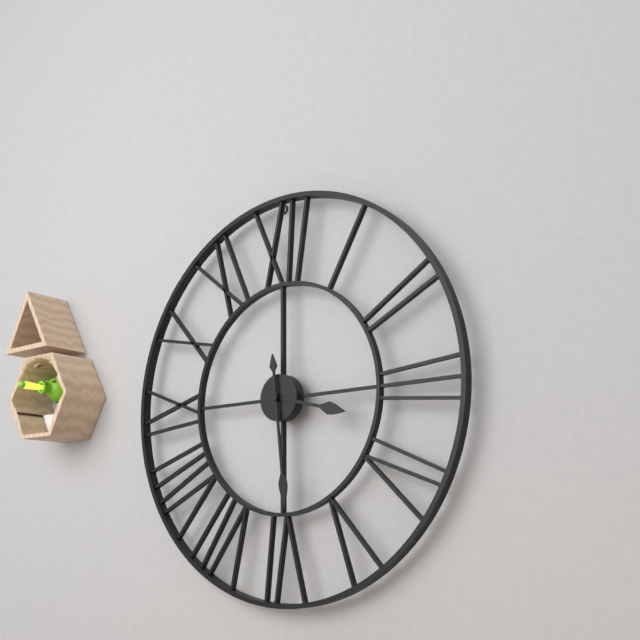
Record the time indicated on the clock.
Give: 3:29
